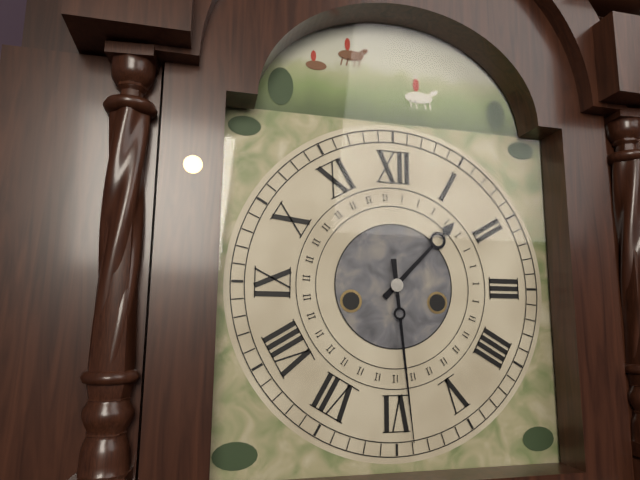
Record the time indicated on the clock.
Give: 1:29
